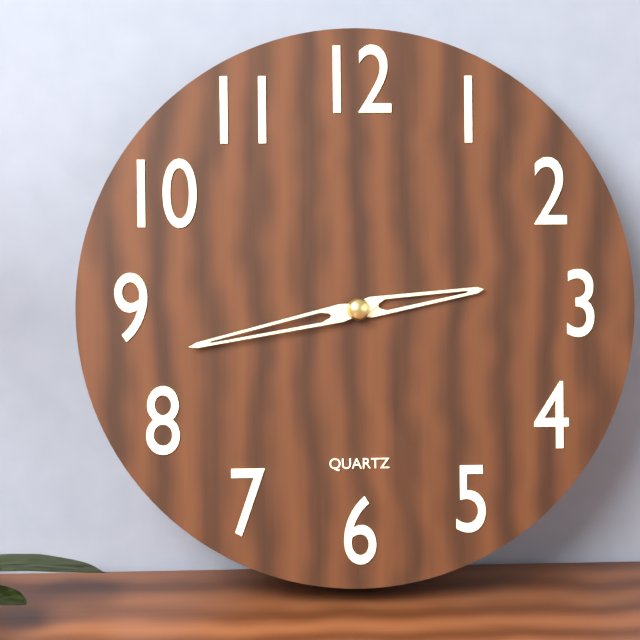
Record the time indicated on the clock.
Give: 2:43
